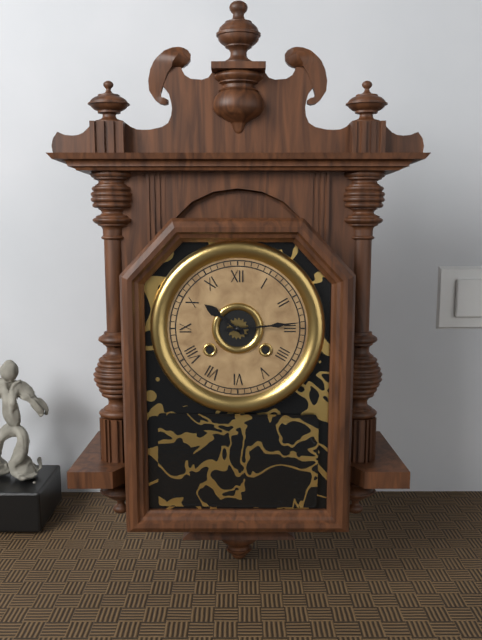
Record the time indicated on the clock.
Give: 10:14
